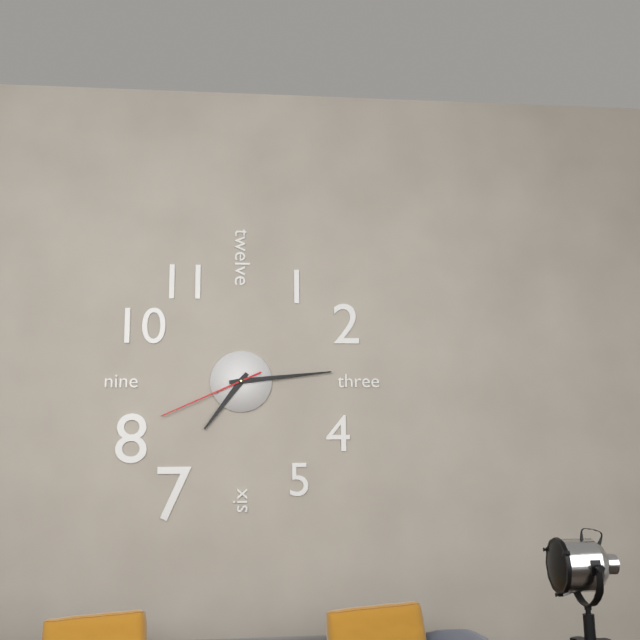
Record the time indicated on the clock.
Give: 7:14:41
